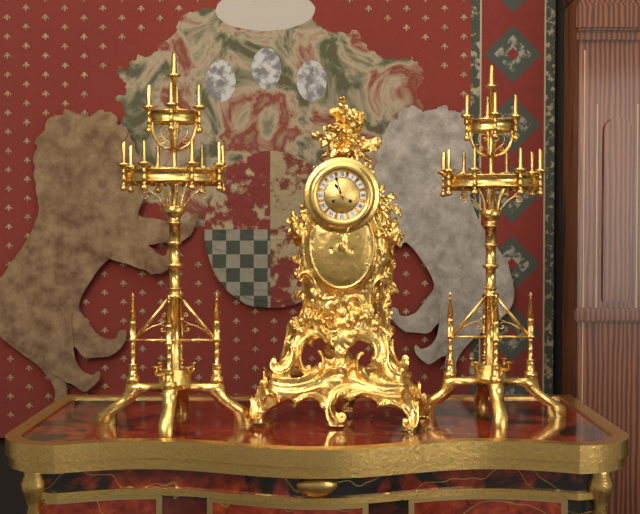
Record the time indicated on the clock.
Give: 10:57
